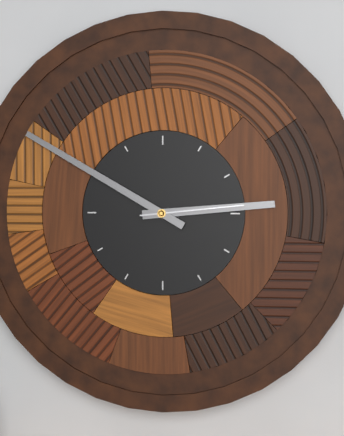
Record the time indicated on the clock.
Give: 2:50:14
